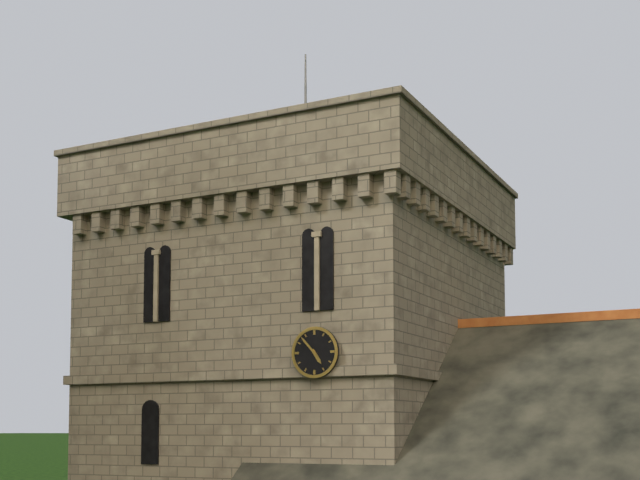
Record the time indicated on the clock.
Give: 4:53
